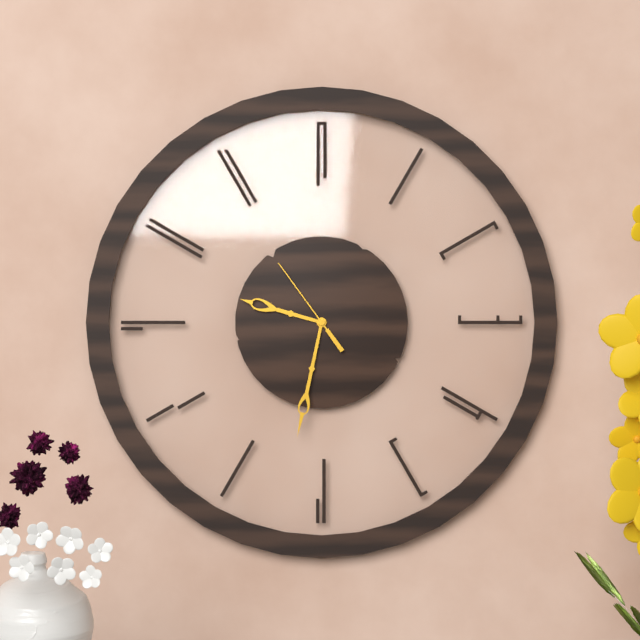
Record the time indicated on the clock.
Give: 9:32:54
